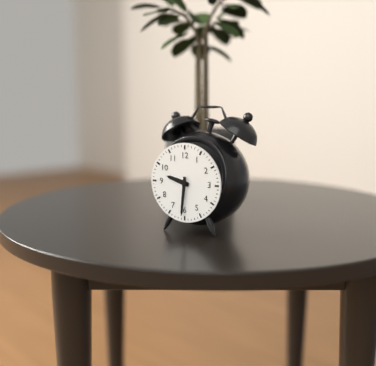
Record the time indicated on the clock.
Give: 9:31
